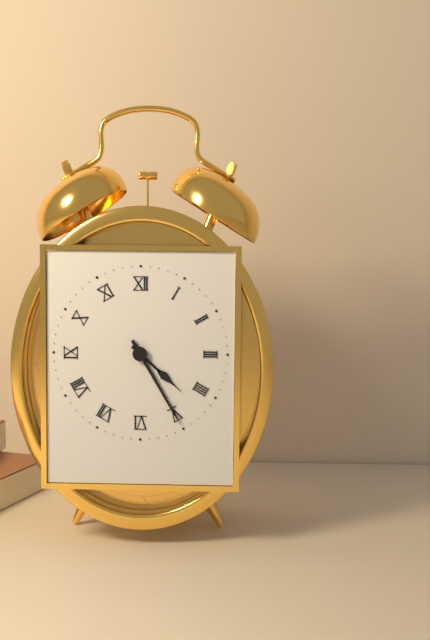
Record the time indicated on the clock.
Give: 4:25
